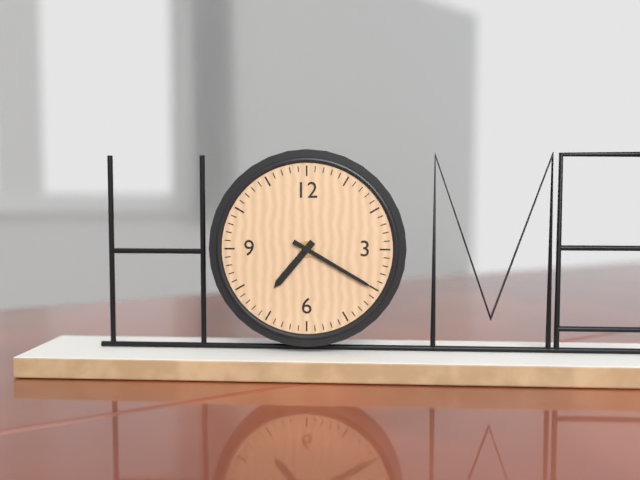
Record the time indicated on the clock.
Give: 7:20
